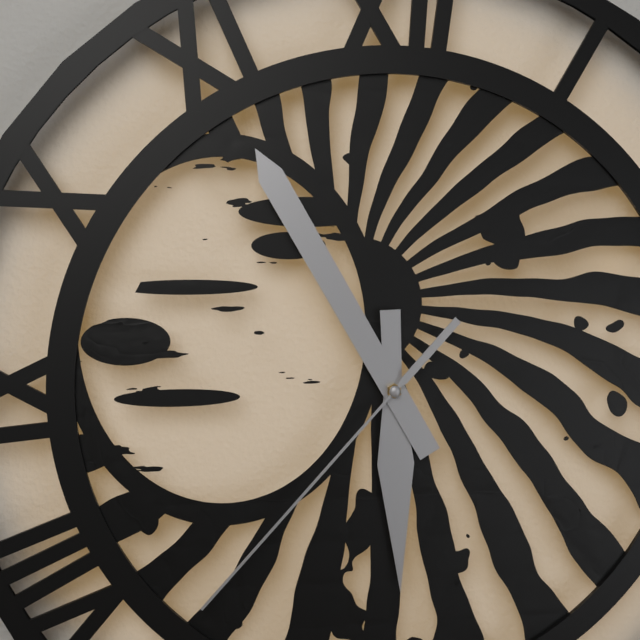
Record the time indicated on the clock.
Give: 5:55:37
